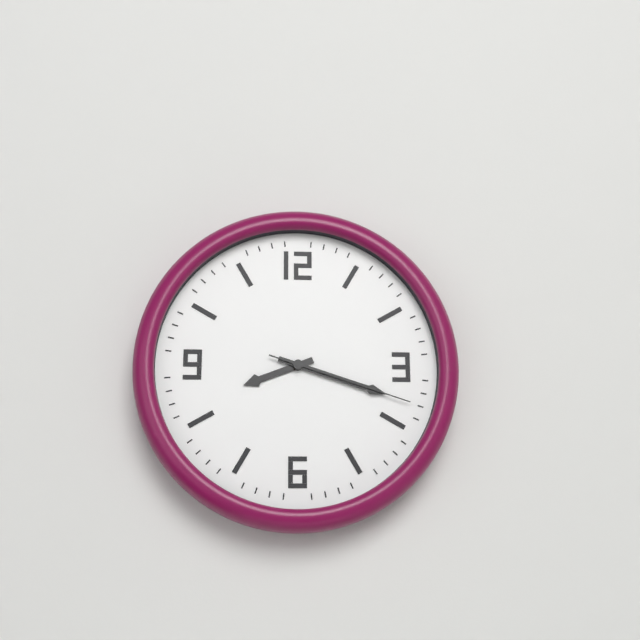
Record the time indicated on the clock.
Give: 8:18:18
